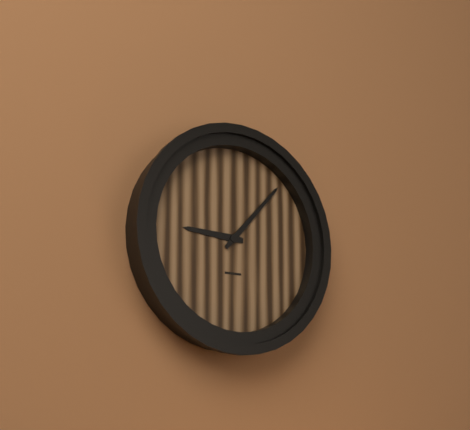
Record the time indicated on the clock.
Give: 9:07
